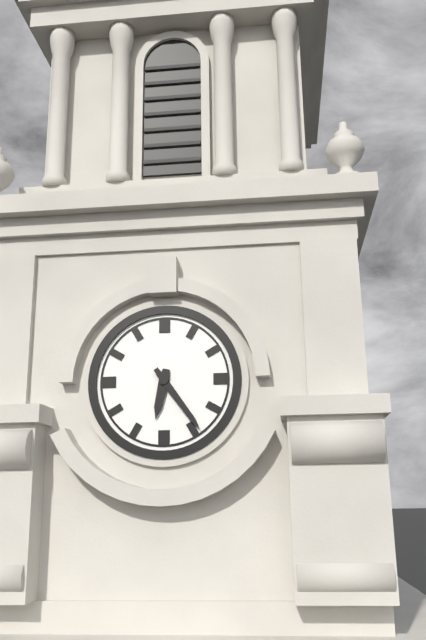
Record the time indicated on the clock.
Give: 6:24
